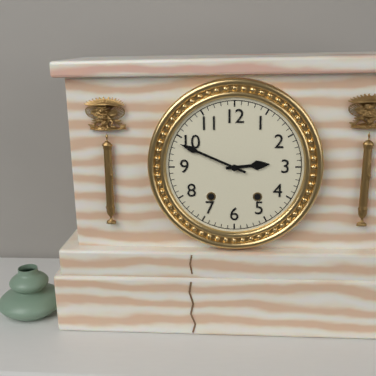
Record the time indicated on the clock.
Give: 2:49
